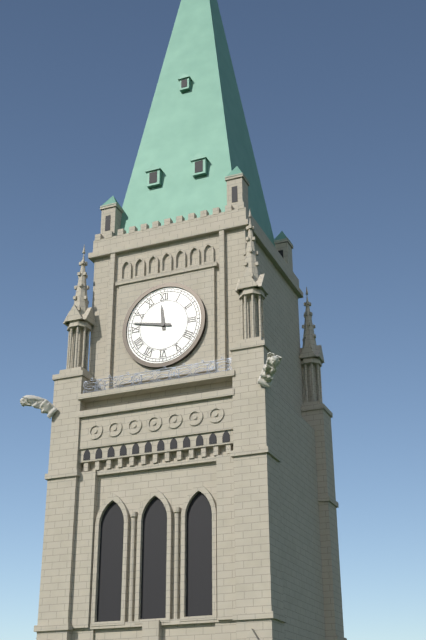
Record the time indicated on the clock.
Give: 11:47
